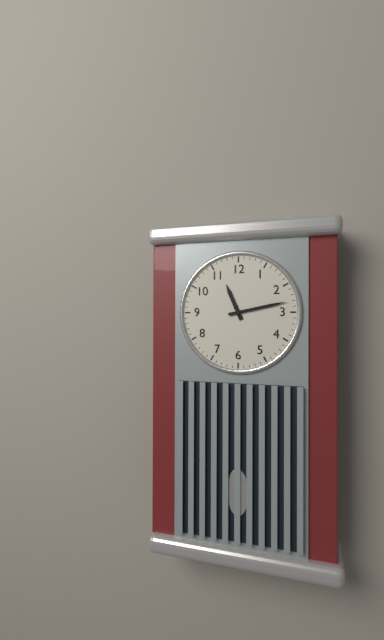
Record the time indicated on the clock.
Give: 11:13
